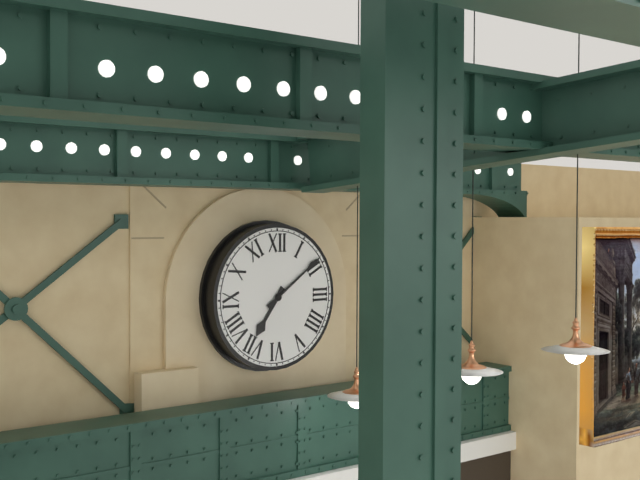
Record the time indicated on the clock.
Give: 7:09
